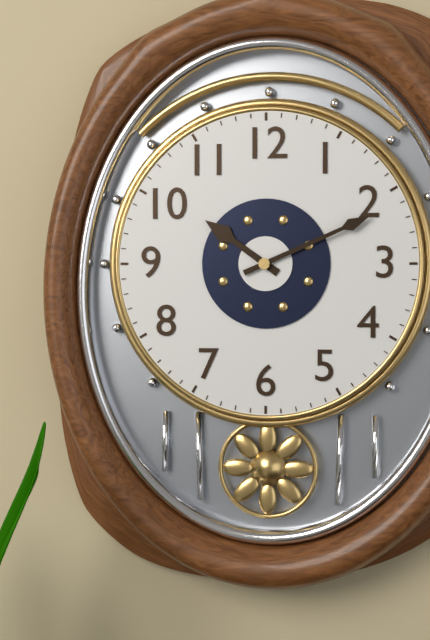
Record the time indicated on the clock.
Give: 10:11
